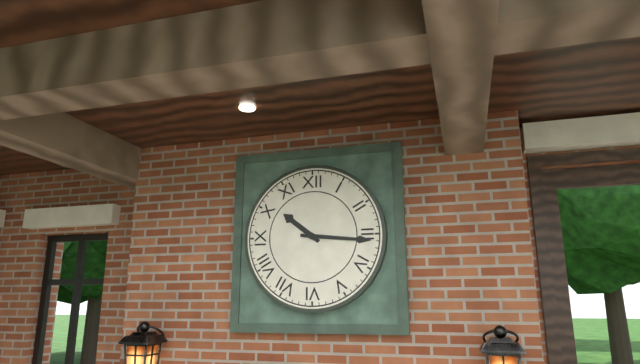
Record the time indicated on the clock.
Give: 10:16
